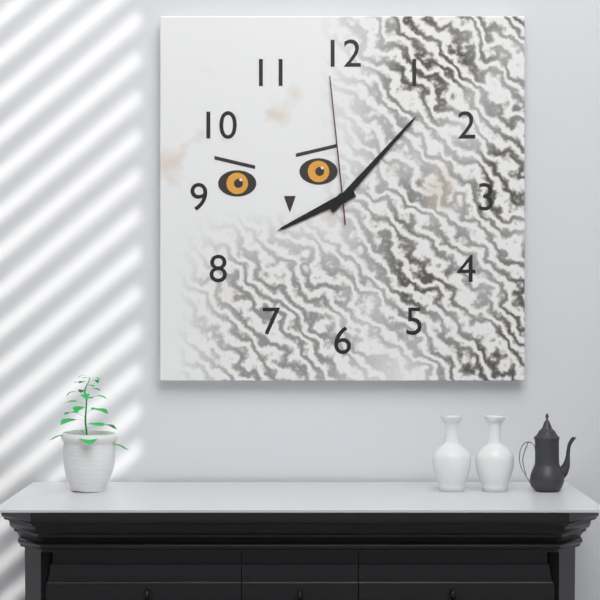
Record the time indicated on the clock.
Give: 8:07:59
